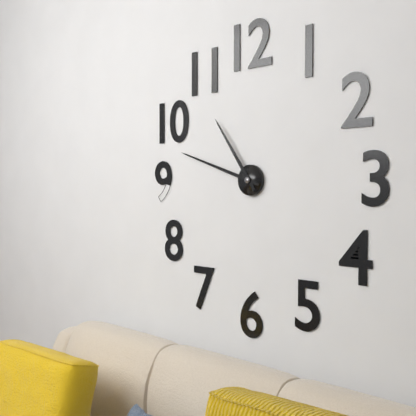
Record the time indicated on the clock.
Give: 10:48
